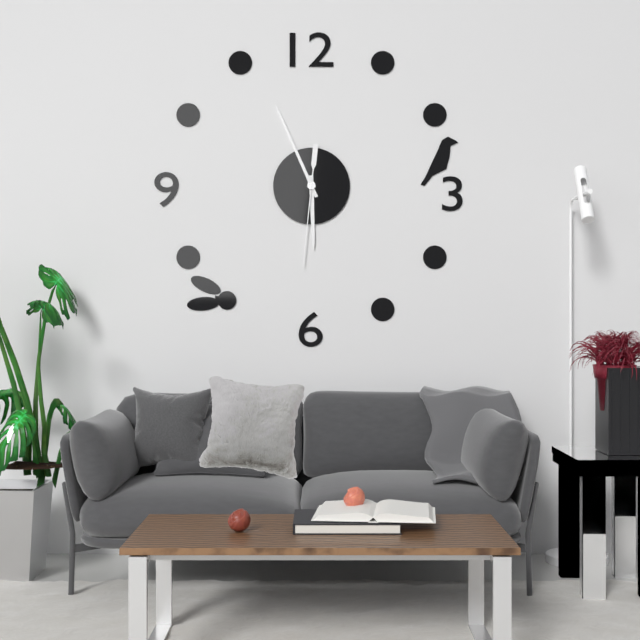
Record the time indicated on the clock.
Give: 5:56:31
